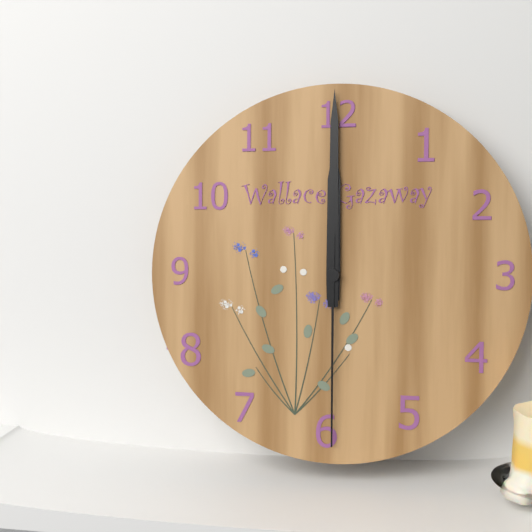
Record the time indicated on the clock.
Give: 12:00:30
